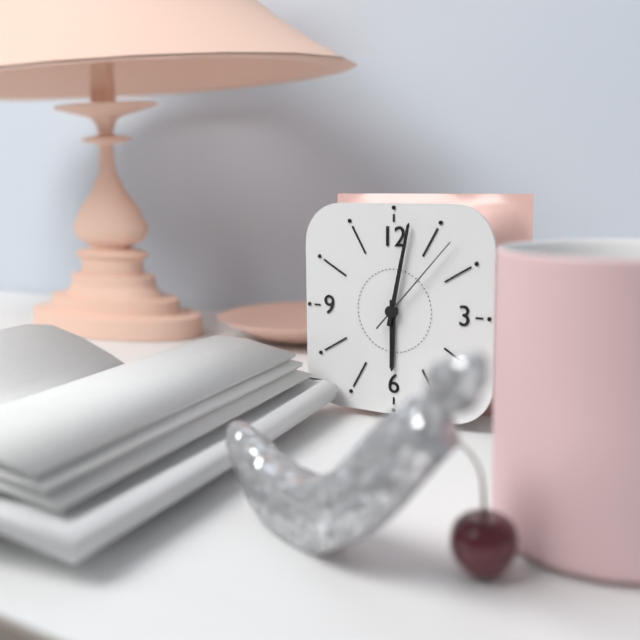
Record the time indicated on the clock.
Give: 6:02:07
